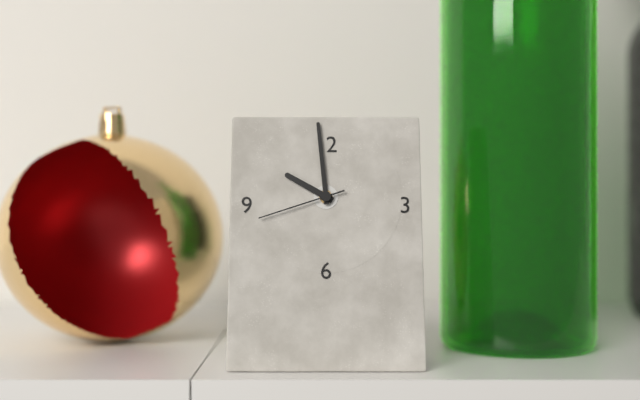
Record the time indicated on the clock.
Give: 9:59:42
